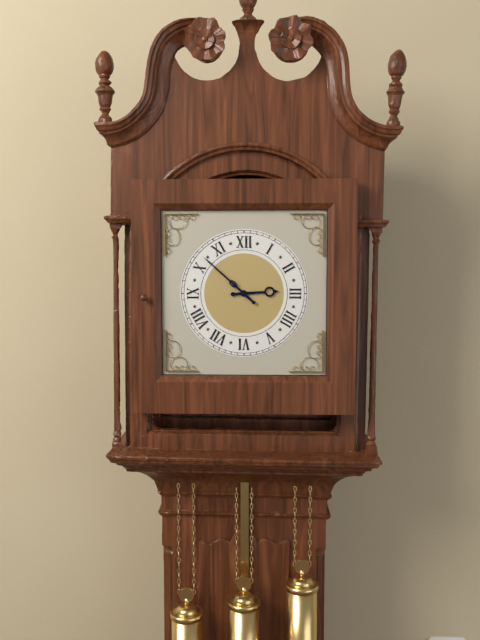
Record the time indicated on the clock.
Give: 2:52
